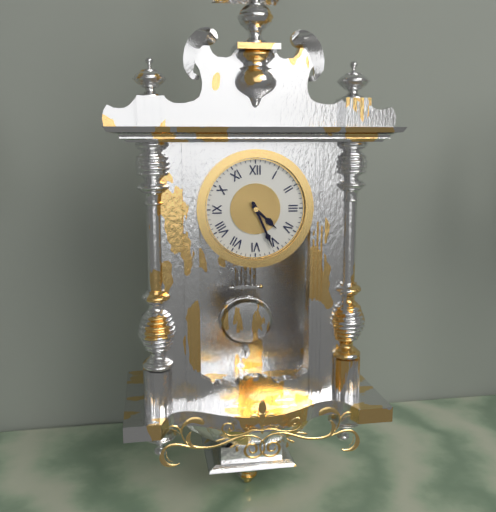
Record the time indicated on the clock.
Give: 4:26
